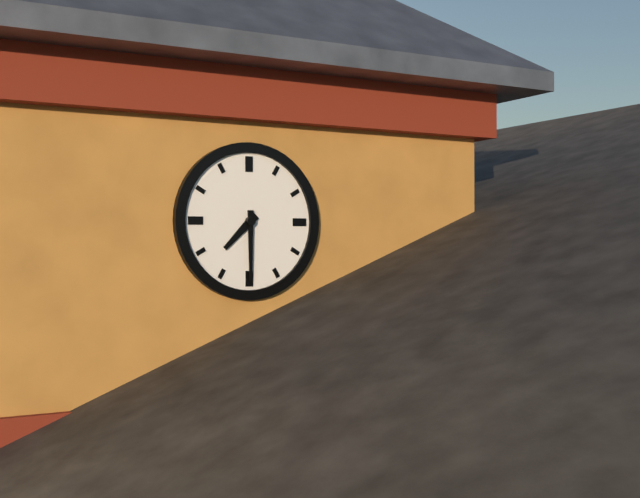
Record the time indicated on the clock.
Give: 7:30
